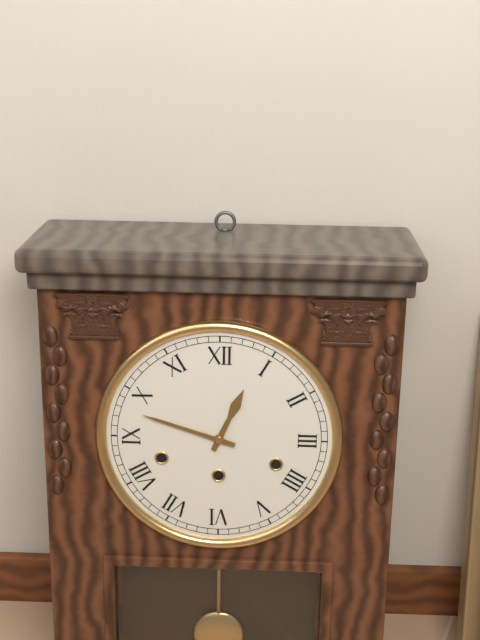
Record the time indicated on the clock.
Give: 12:48
